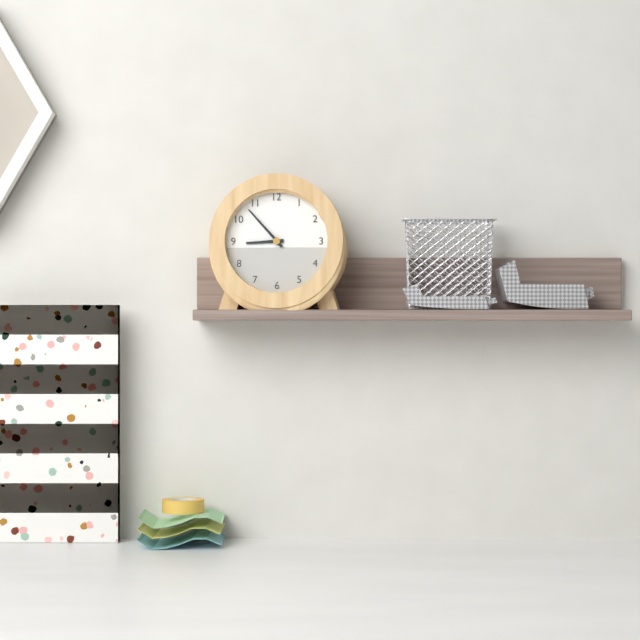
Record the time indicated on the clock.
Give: 8:53
